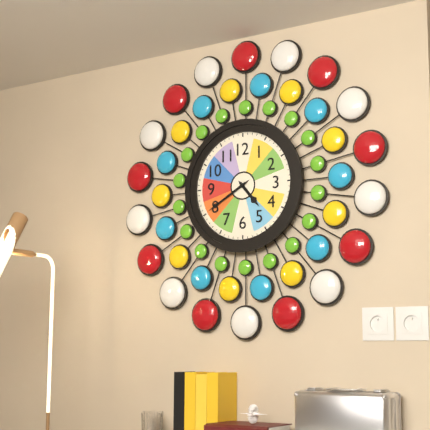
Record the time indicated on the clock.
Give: 4:40
